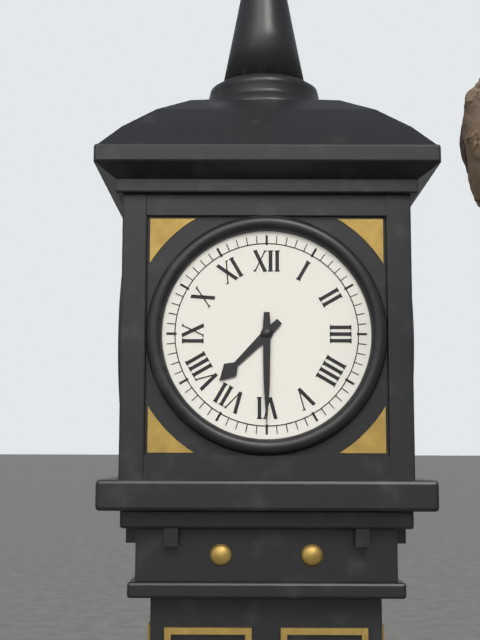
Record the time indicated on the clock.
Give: 7:30
